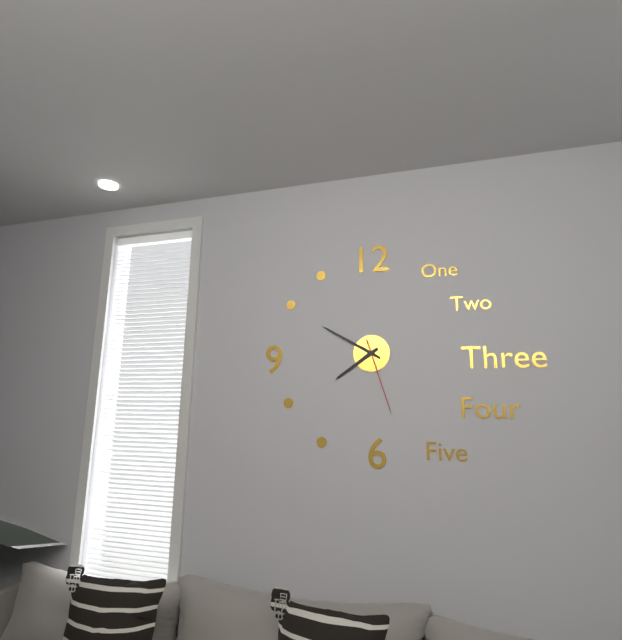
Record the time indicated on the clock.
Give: 7:50:27
